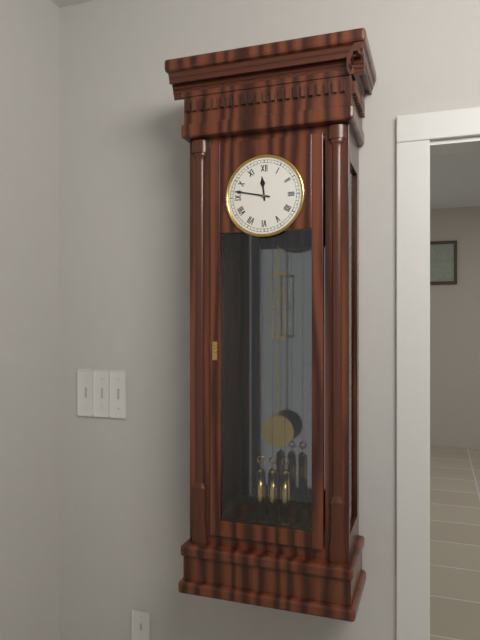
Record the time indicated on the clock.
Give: 11:47
